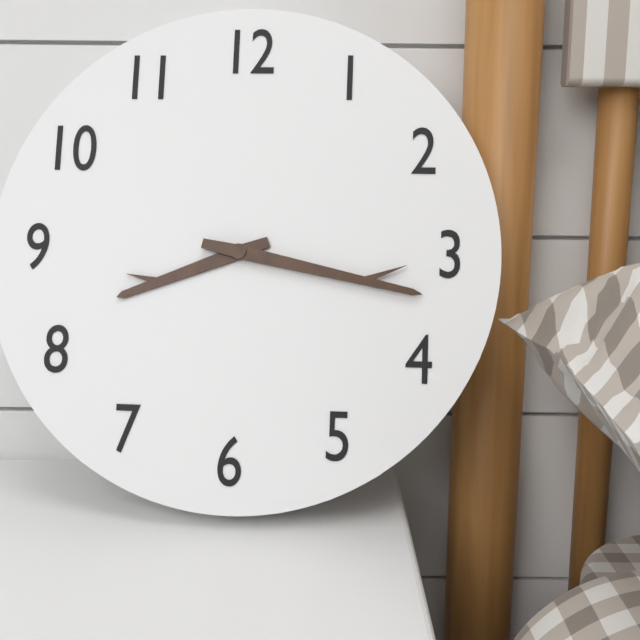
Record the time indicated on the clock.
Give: 8:17
